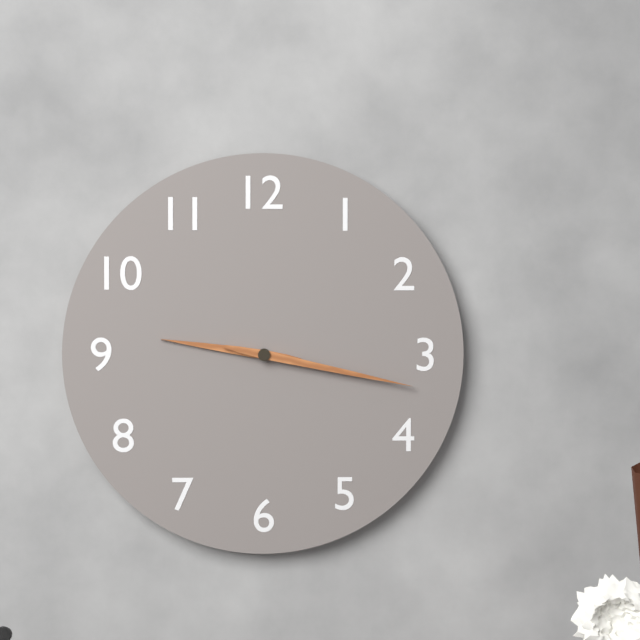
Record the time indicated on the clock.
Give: 9:17
